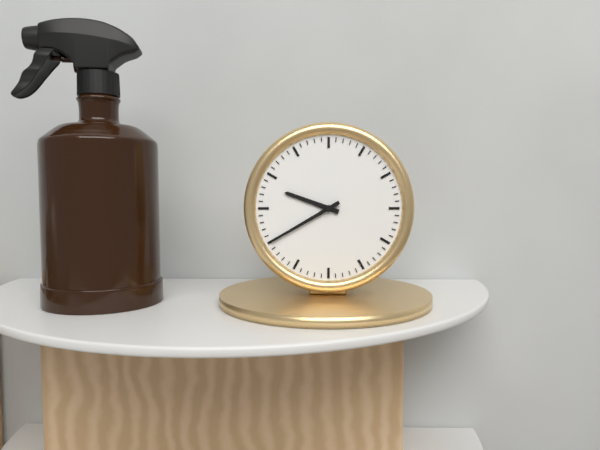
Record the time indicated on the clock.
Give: 9:40
